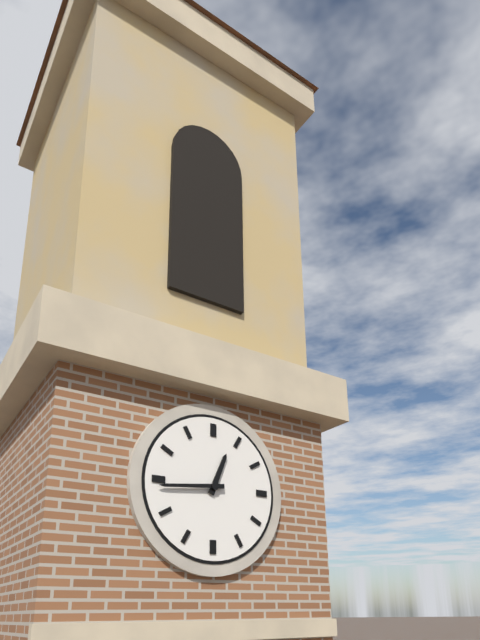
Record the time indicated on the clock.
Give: 12:44
